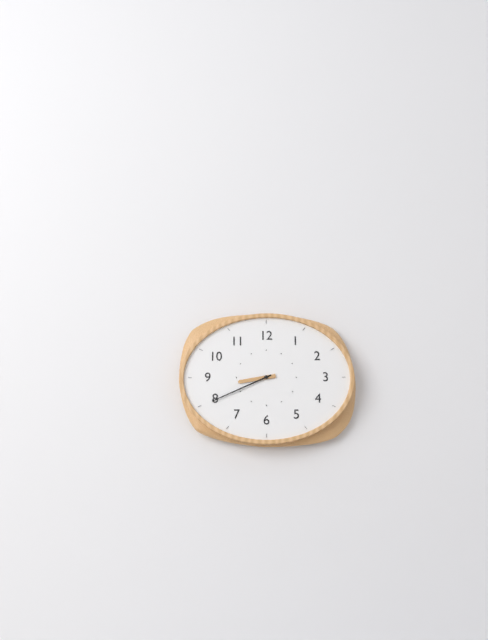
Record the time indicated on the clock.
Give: 8:41
